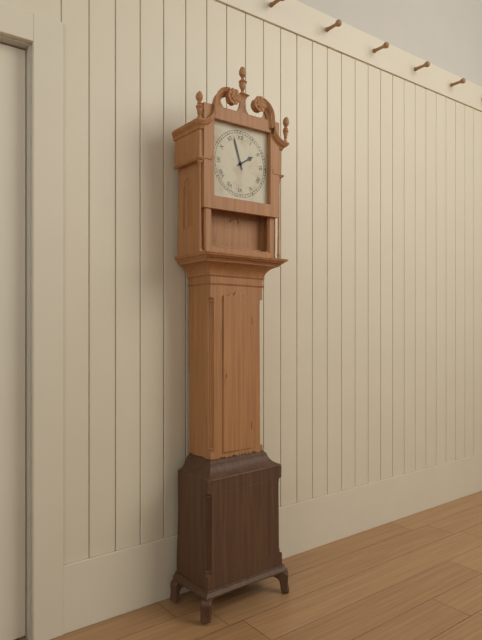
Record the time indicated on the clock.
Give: 1:57
